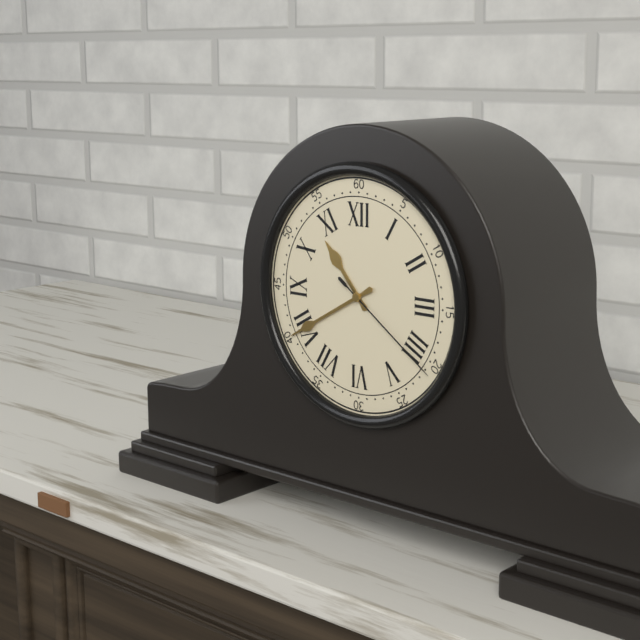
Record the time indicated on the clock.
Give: 10:40:21
